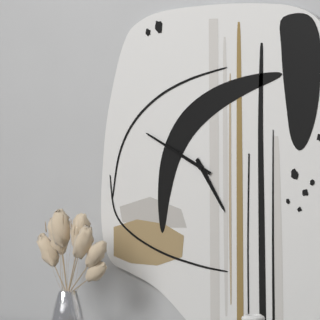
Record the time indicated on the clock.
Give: 4:49
